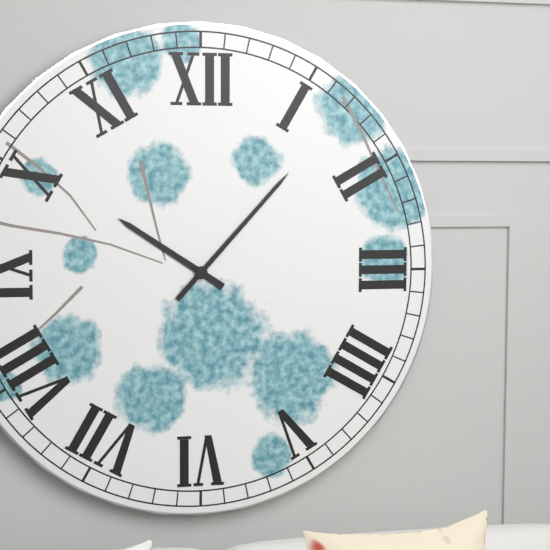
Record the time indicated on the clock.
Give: 10:07
